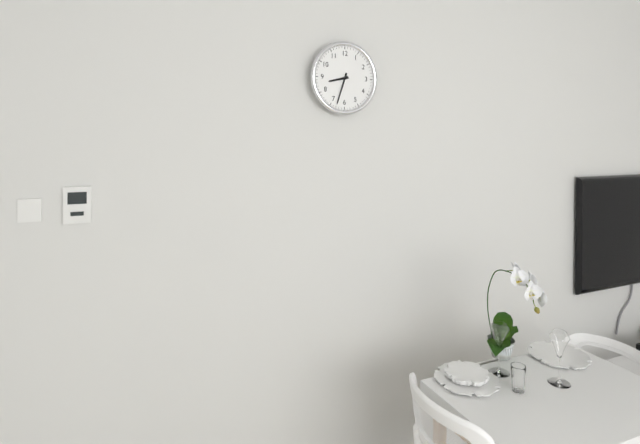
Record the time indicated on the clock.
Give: 8:33
